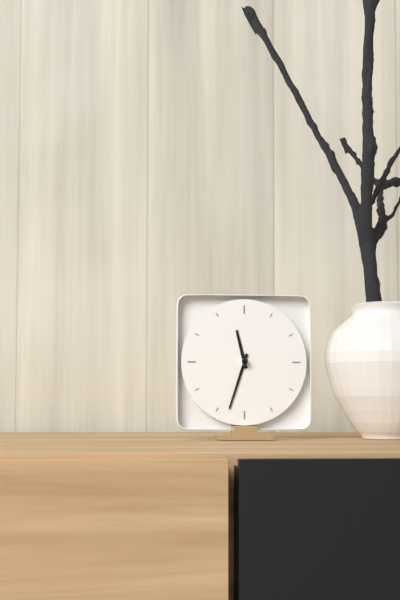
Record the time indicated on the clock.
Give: 11:33
